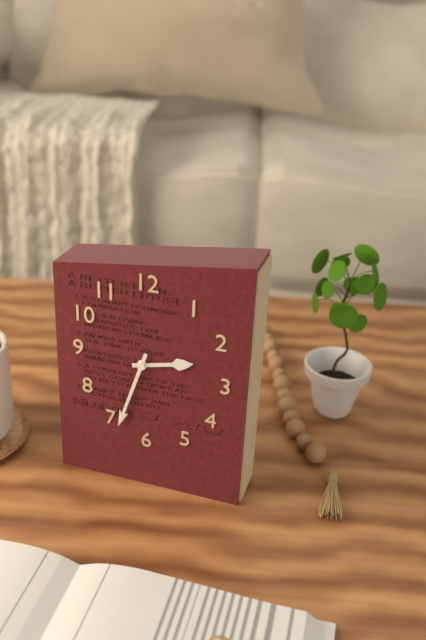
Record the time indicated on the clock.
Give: 2:33
